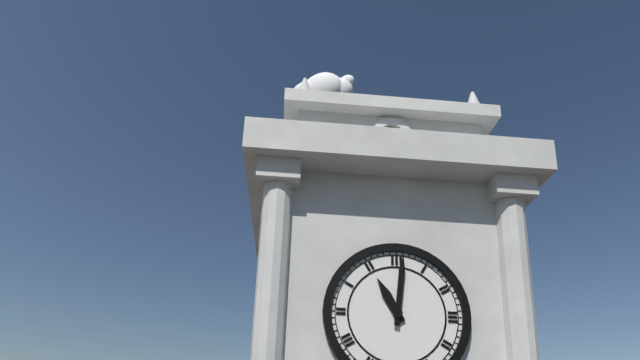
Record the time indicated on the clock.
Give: 11:01
